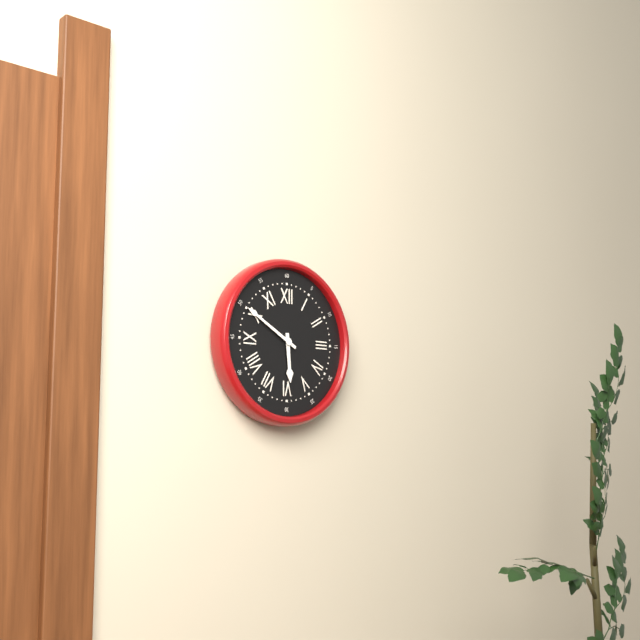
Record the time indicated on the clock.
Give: 5:50
